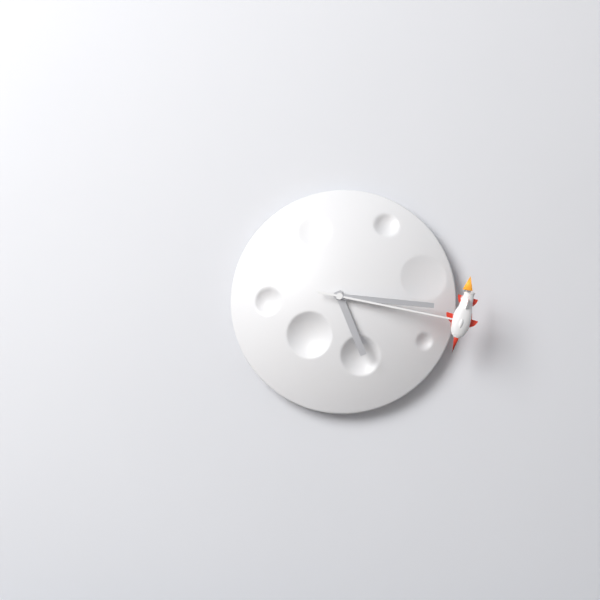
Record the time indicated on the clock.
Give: 5:16:17
